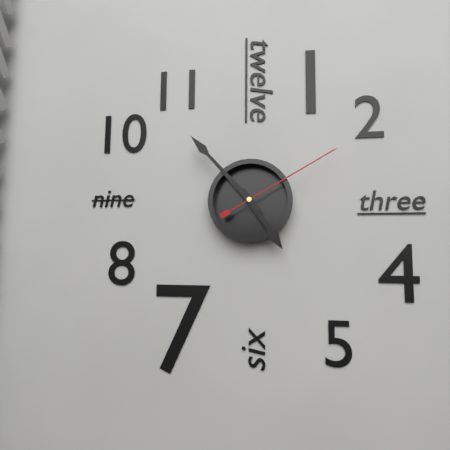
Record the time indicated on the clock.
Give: 4:53:10
